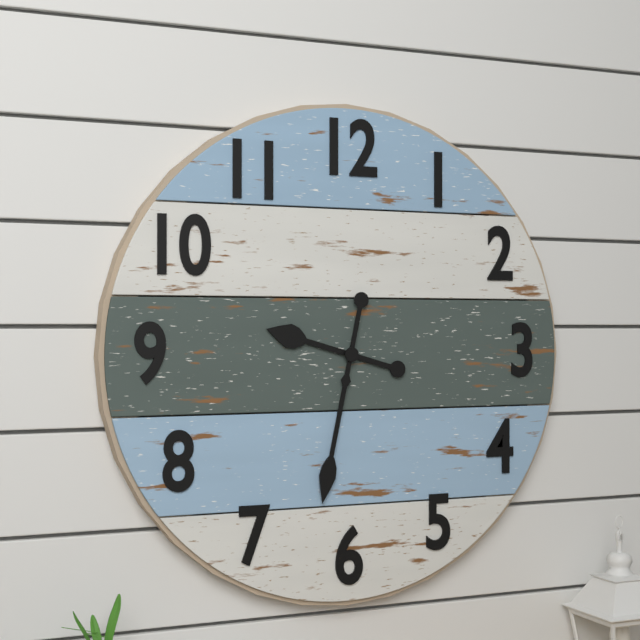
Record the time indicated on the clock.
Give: 9:32
